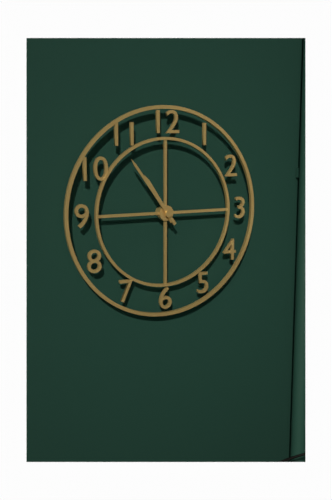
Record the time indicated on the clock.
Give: 10:54
